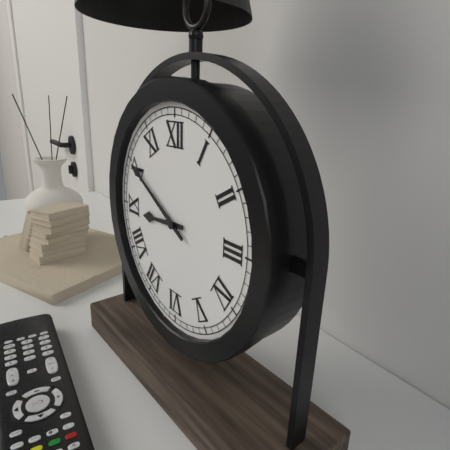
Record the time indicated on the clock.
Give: 8:50
